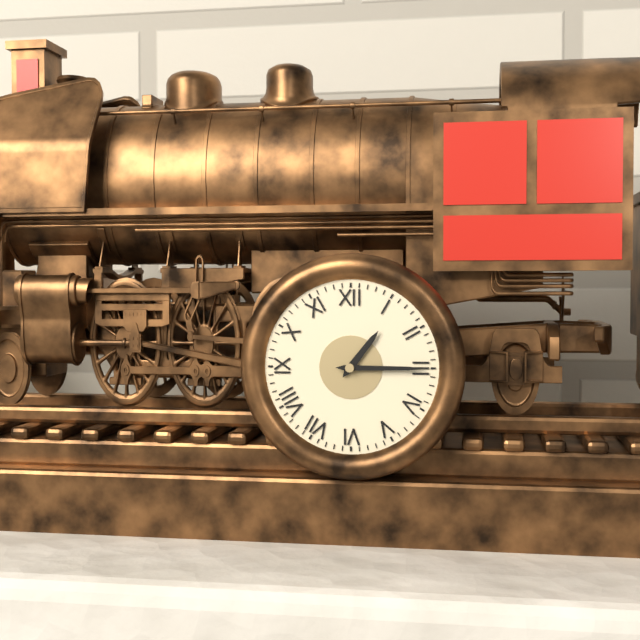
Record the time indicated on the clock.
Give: 1:15
